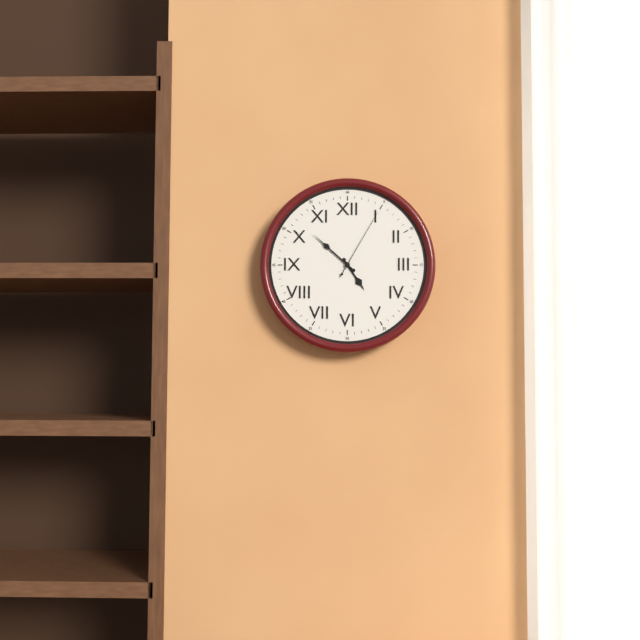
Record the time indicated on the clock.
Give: 4:52:05
